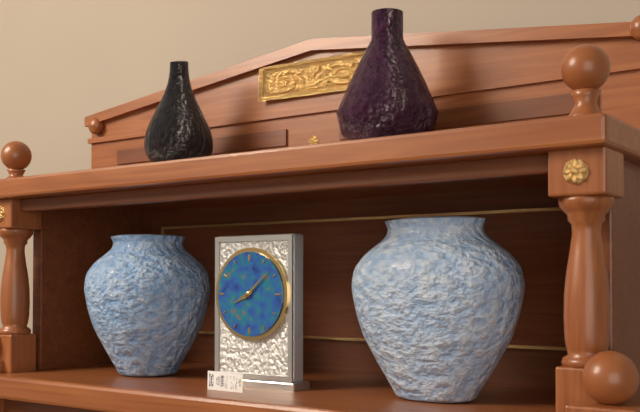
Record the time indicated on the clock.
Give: 8:08
